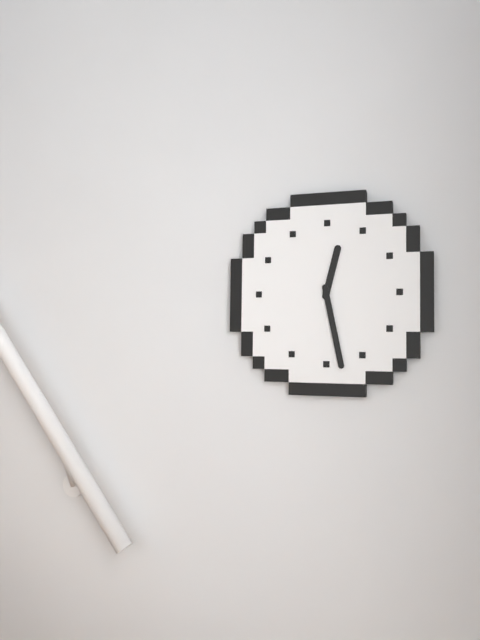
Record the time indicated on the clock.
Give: 12:28
